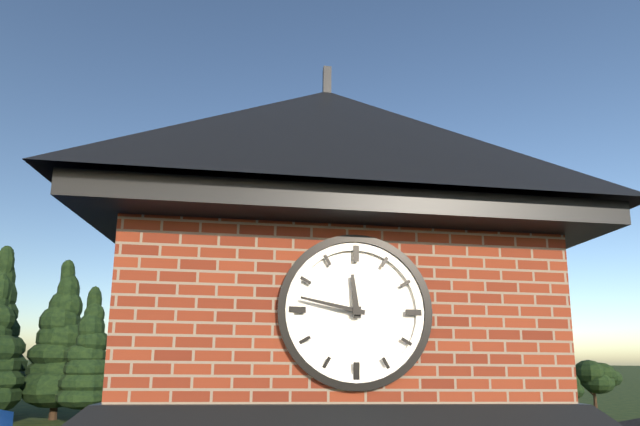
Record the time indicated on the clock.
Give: 11:47
